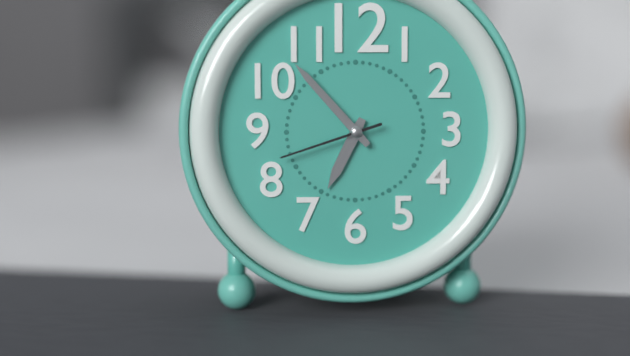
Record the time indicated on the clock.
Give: 6:53:42
